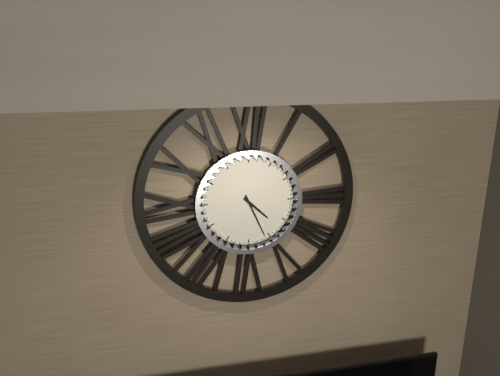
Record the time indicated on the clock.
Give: 4:26
